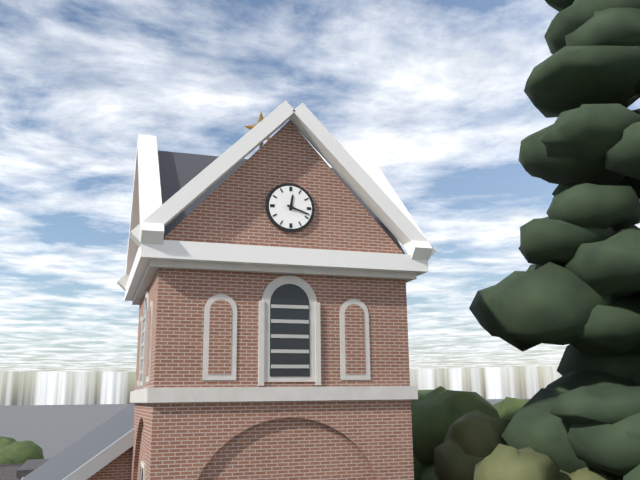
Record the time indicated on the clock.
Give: 12:18
